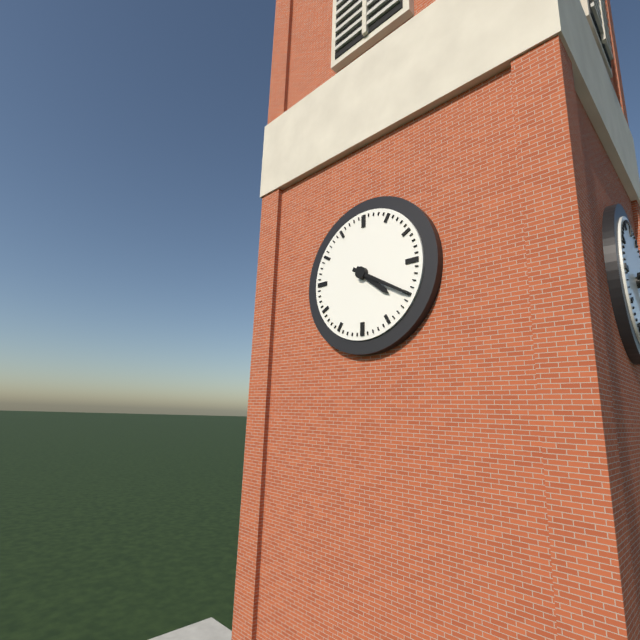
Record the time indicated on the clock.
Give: 4:20
